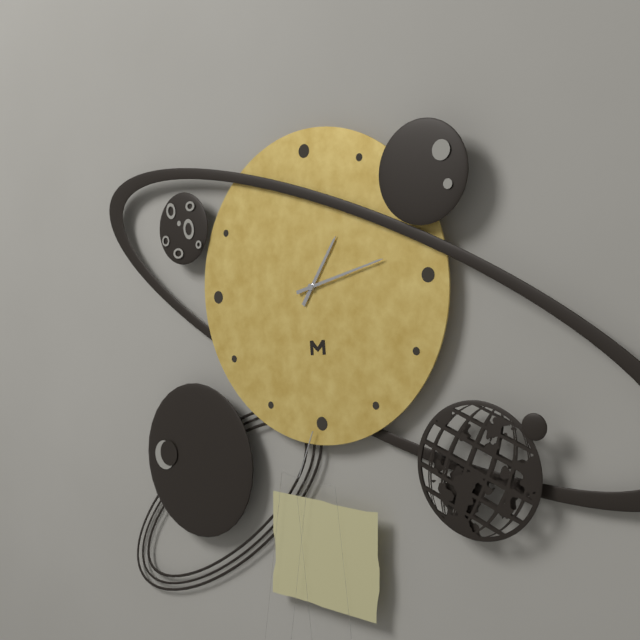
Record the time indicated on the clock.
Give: 1:13
